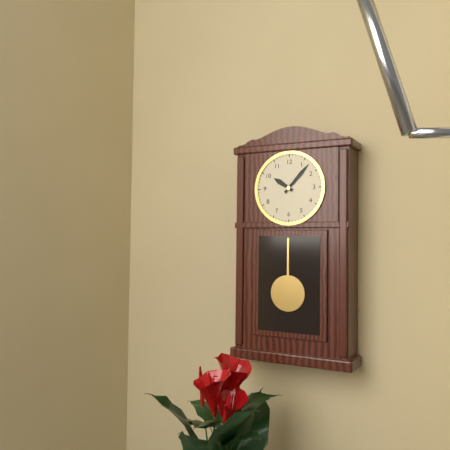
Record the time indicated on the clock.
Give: 10:07
